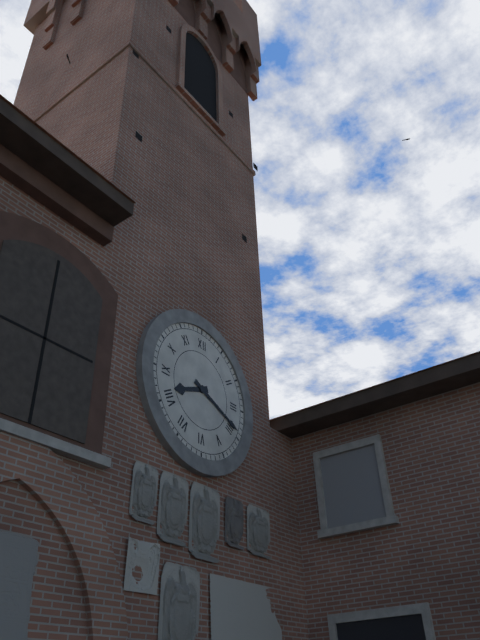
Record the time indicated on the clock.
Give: 8:19
